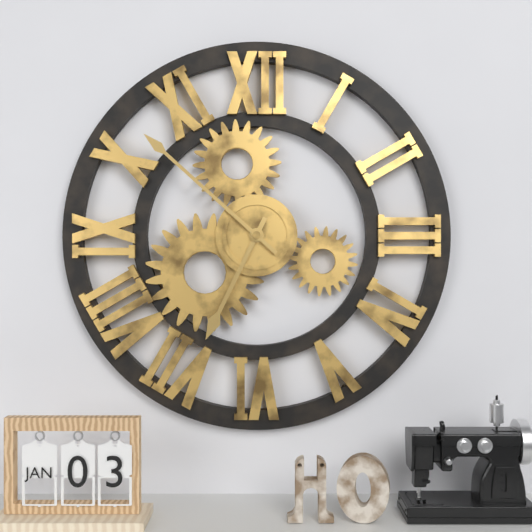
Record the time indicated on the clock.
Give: 6:52
